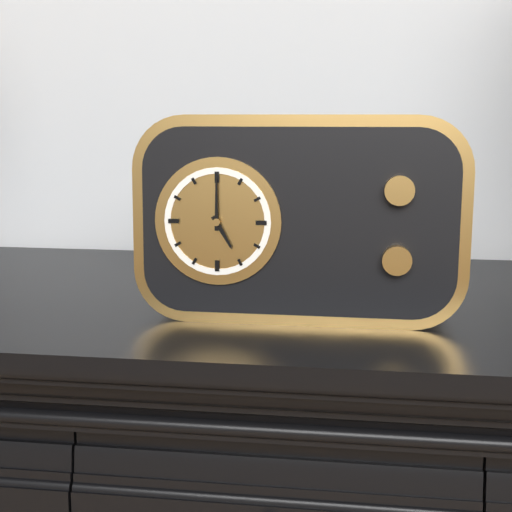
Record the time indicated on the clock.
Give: 5:00
